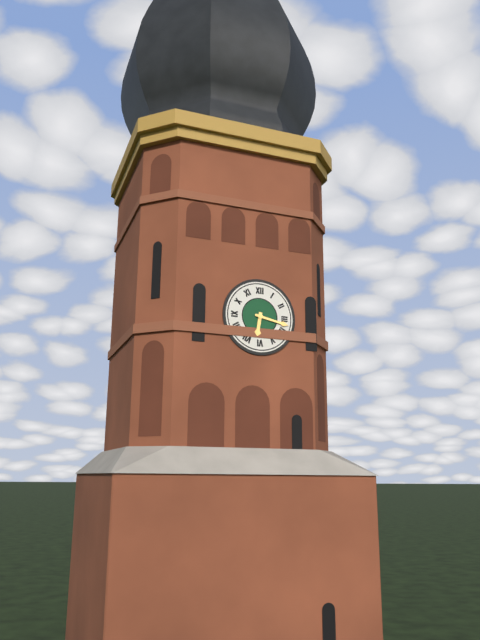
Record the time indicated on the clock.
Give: 6:17
